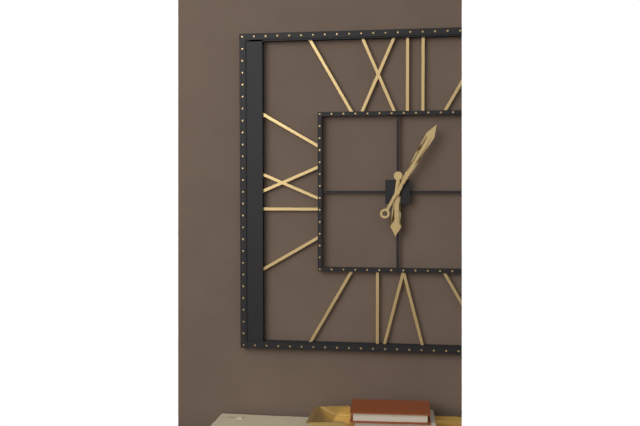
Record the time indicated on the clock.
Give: 6:05
